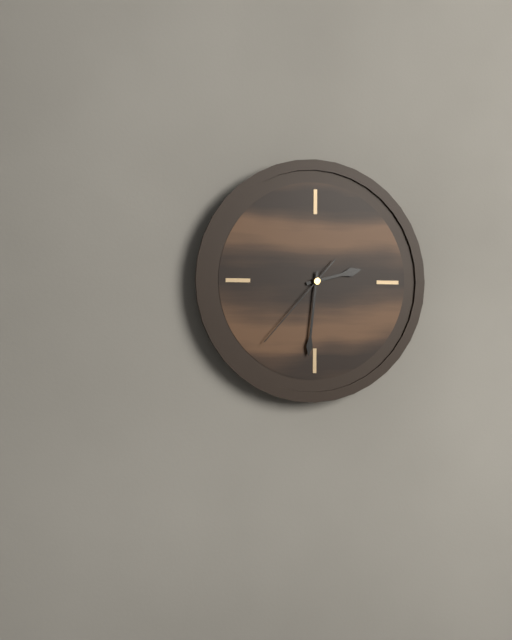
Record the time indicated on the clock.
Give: 2:31:37
